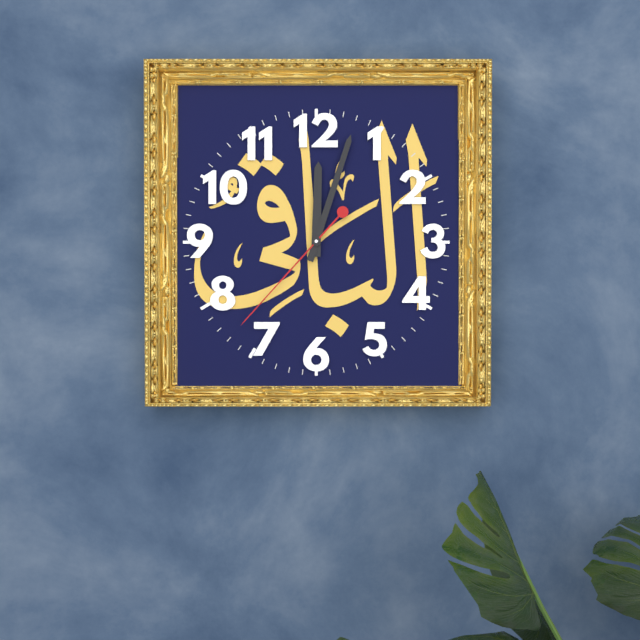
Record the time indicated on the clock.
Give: 12:03:37
